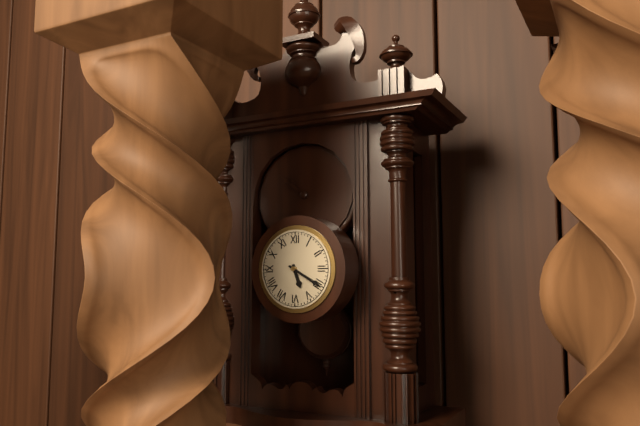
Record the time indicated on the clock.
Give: 5:20
